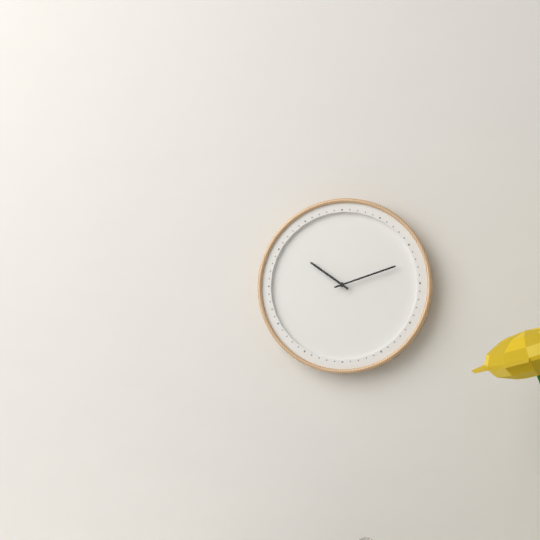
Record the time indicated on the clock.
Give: 10:12
